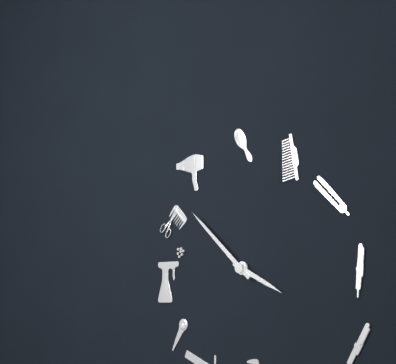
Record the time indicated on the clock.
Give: 3:52
